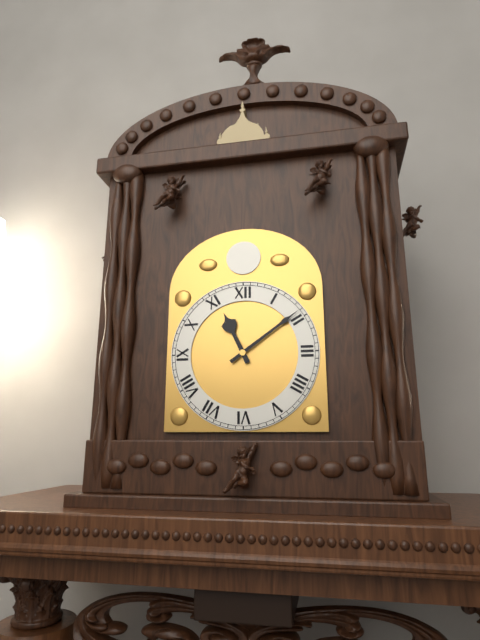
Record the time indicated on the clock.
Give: 11:09
